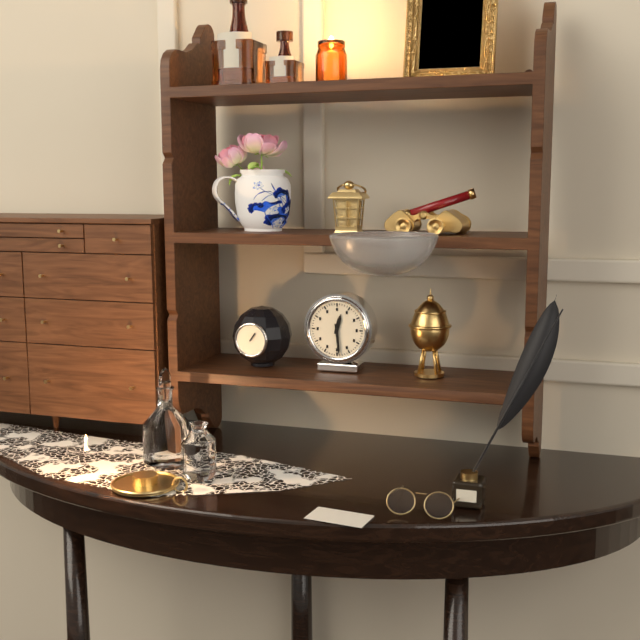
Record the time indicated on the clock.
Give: 12:29
